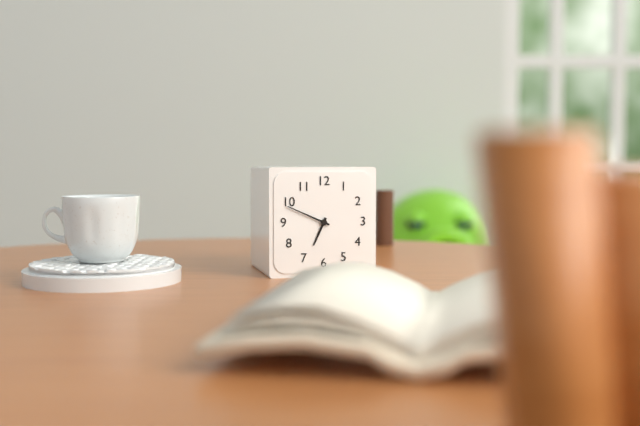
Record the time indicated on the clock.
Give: 6:49
